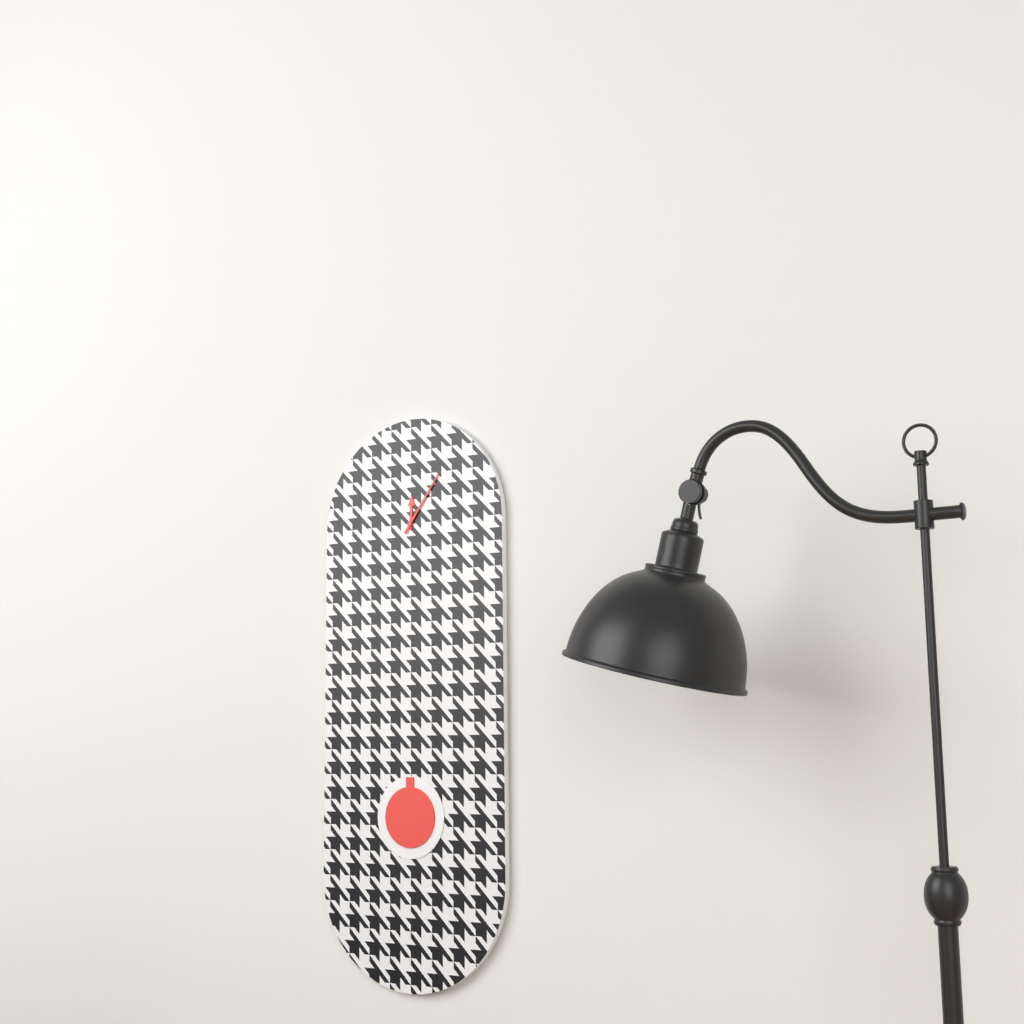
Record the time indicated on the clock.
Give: 12:06
